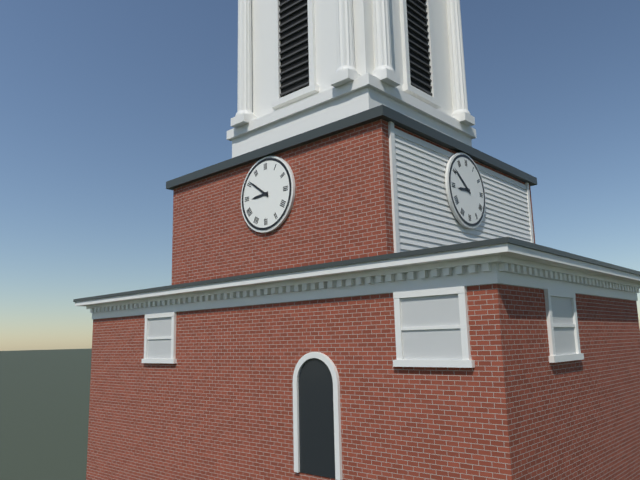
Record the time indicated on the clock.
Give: 8:51
